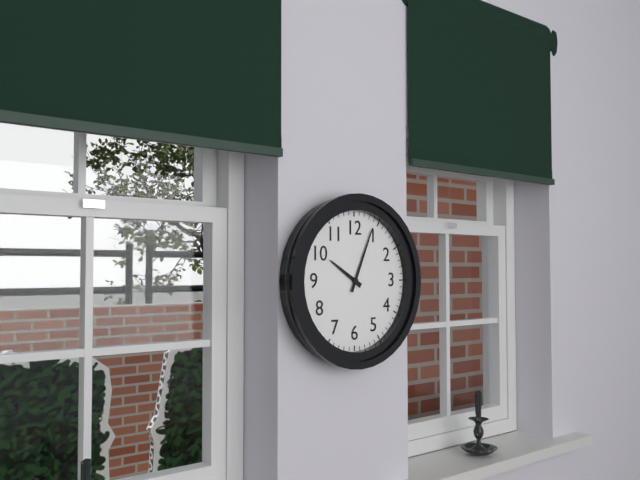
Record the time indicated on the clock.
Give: 10:04
